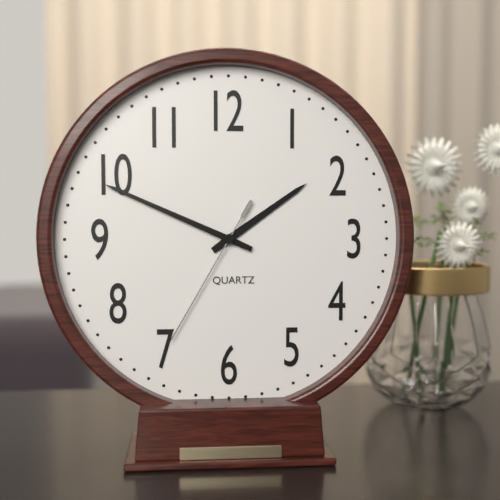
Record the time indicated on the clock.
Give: 1:49:35
